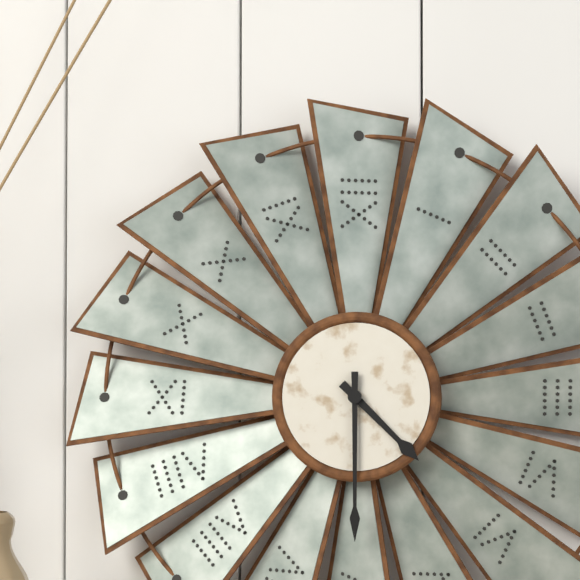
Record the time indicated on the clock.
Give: 4:30
